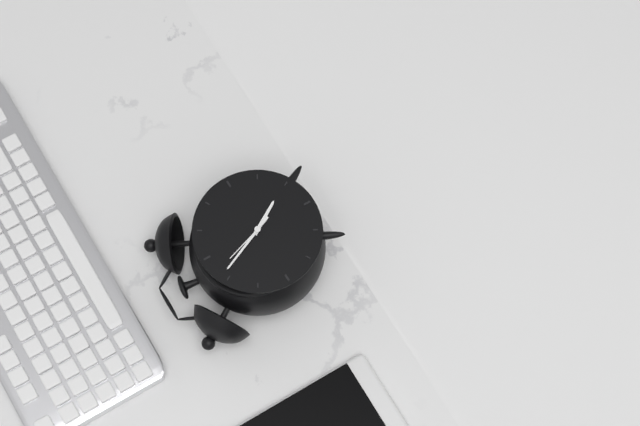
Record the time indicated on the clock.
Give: 4:56:57
